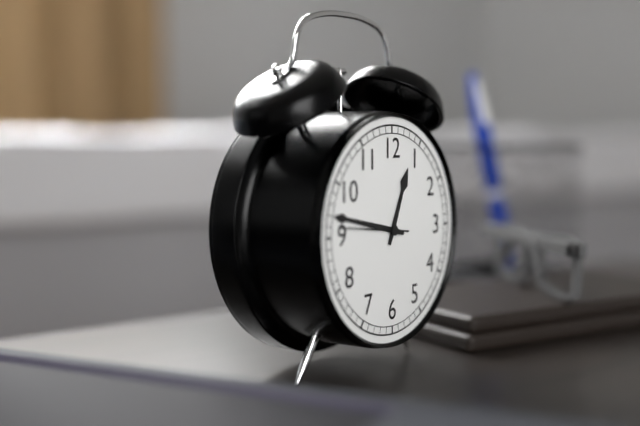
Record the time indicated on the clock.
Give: 12:47:46
